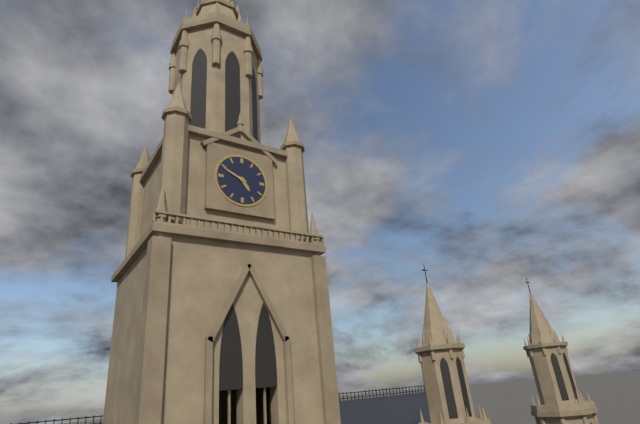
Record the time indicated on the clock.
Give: 4:49
